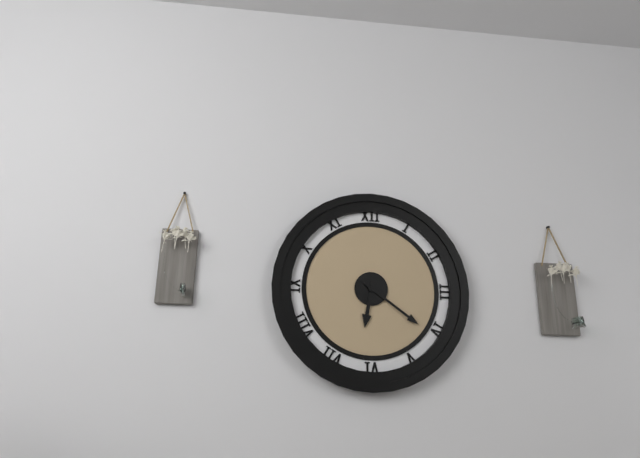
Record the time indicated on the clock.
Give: 6:21
